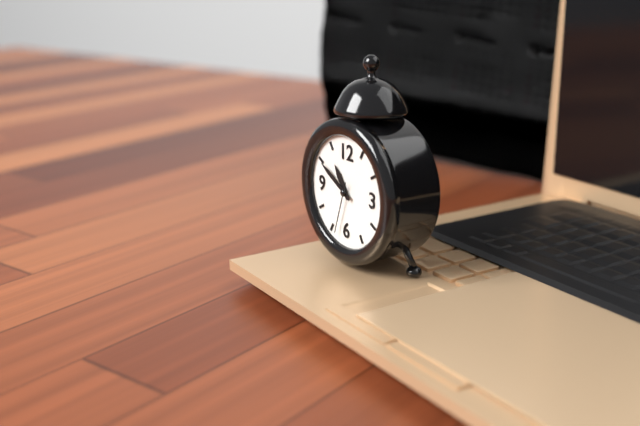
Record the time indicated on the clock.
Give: 10:50:33
